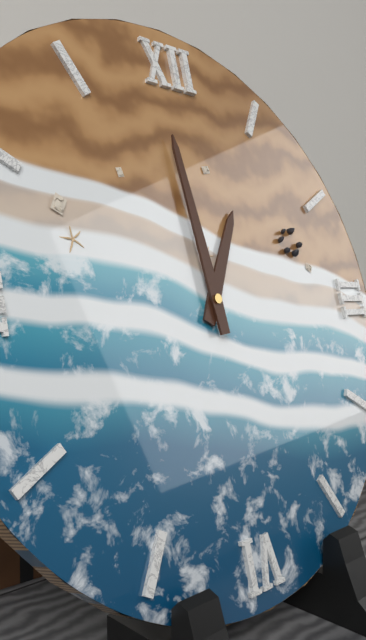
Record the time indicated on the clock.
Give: 12:59
